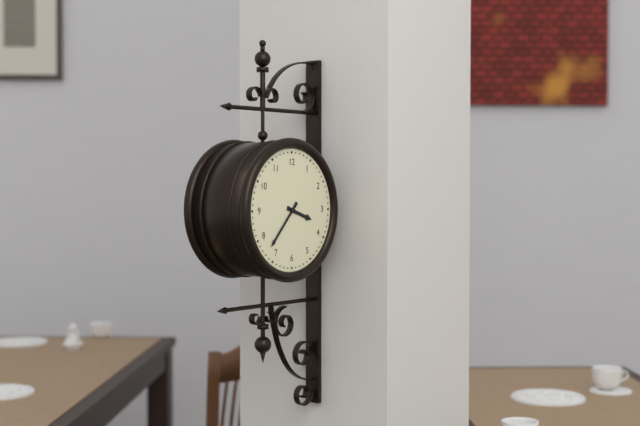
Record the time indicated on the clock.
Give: 3:37
